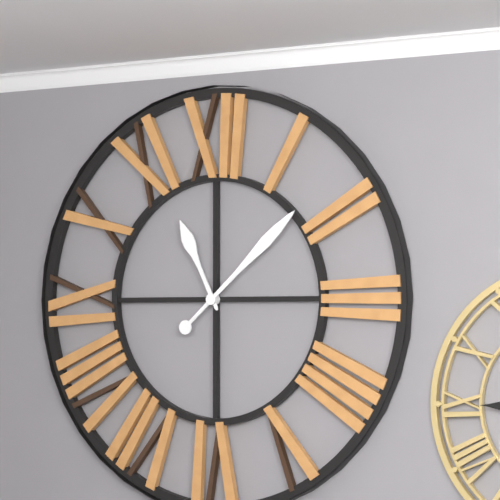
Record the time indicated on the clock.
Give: 11:08
